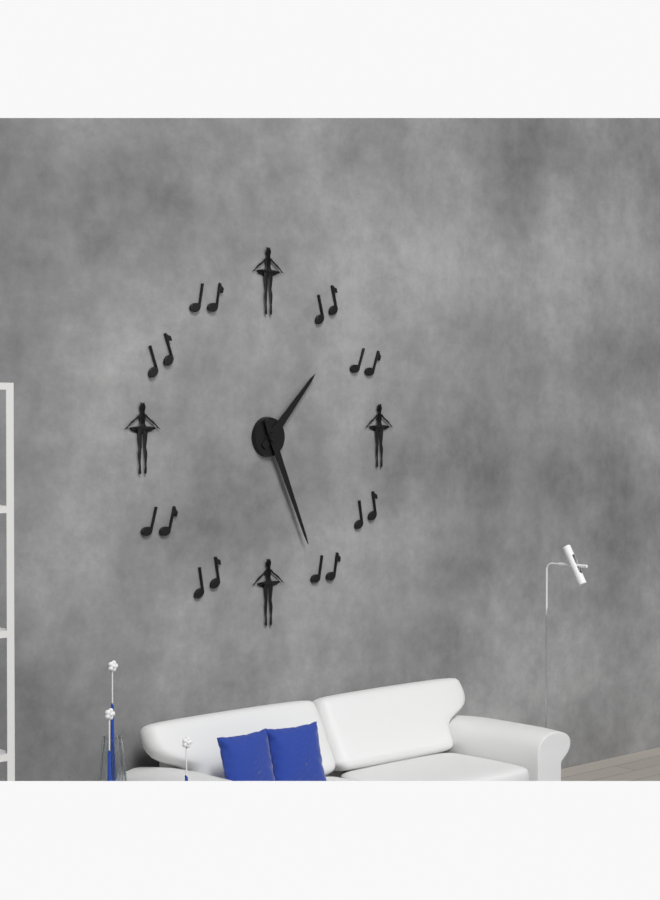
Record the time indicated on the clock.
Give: 1:26
